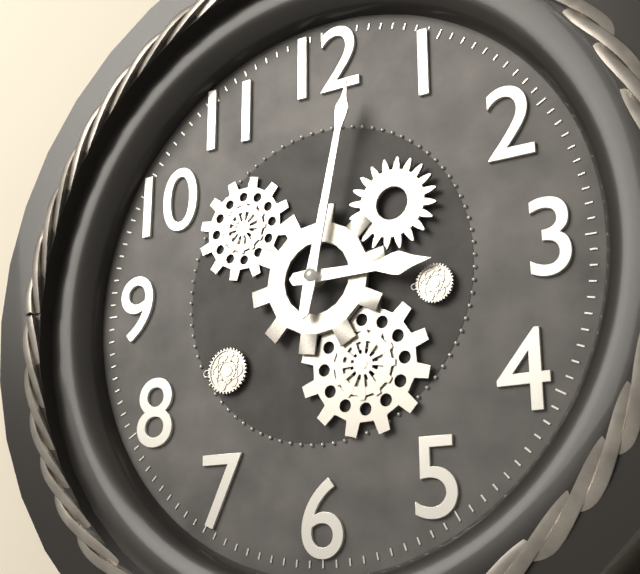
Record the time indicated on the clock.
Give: 3:02
